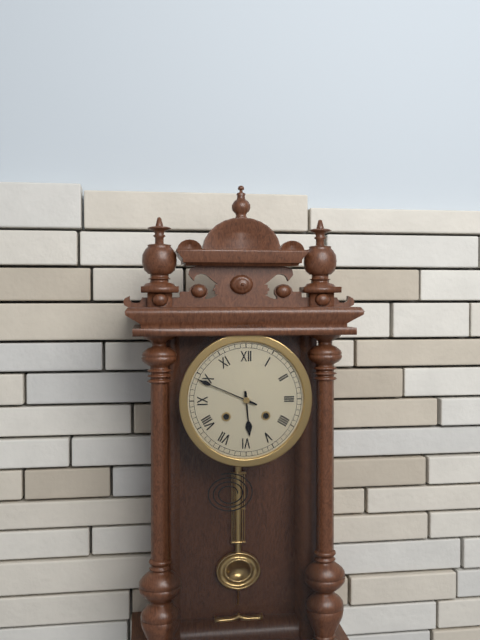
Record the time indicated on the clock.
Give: 5:49
